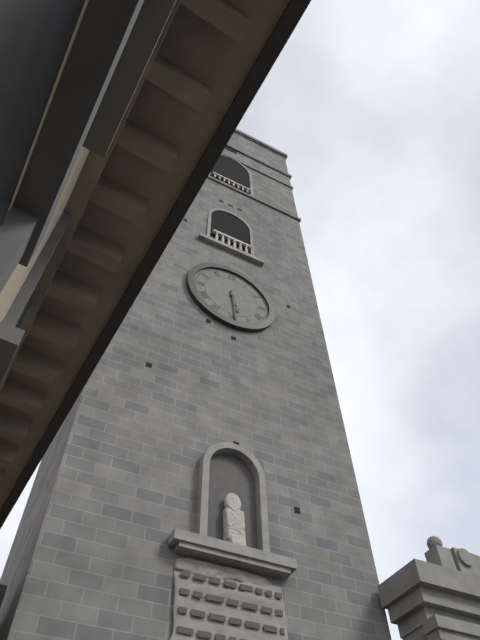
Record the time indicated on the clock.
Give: 5:29
